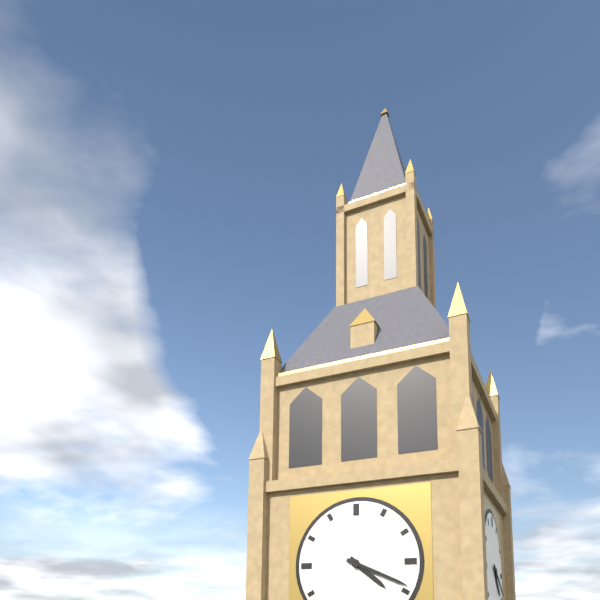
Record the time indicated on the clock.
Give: 4:19
